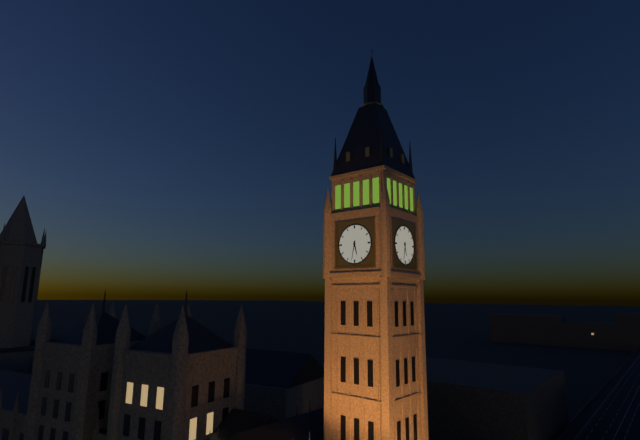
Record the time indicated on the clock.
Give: 5:32
